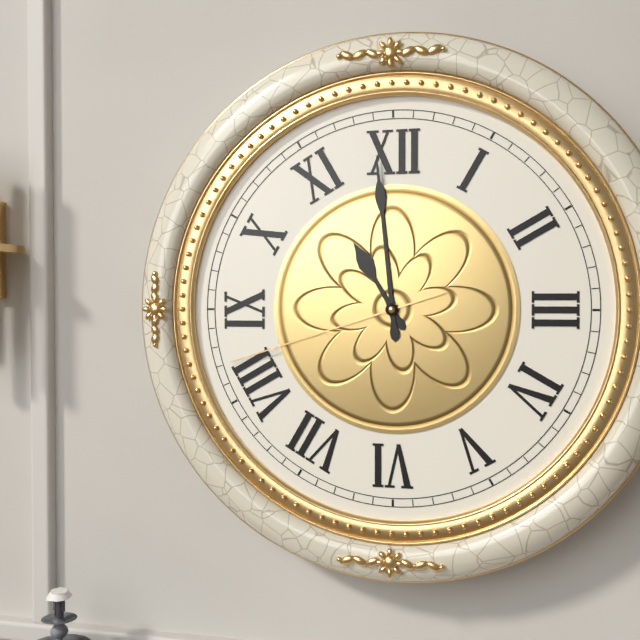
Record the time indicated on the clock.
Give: 10:59:42
